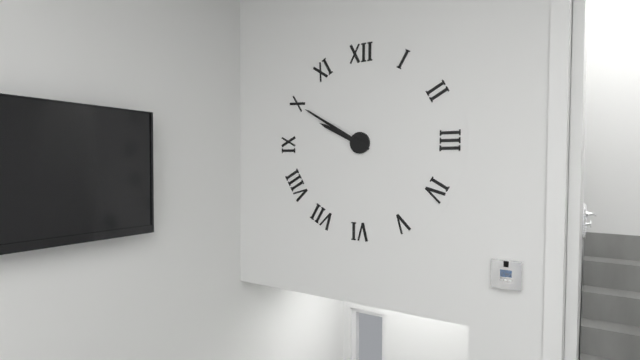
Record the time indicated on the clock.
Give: 9:50
